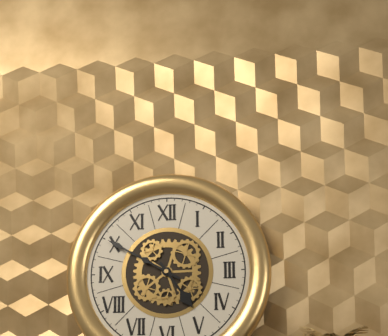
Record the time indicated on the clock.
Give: 4:50
